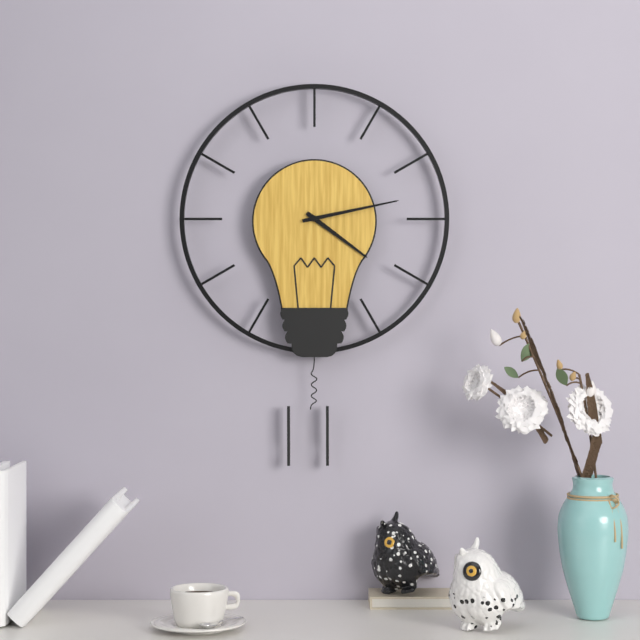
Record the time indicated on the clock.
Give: 4:13
